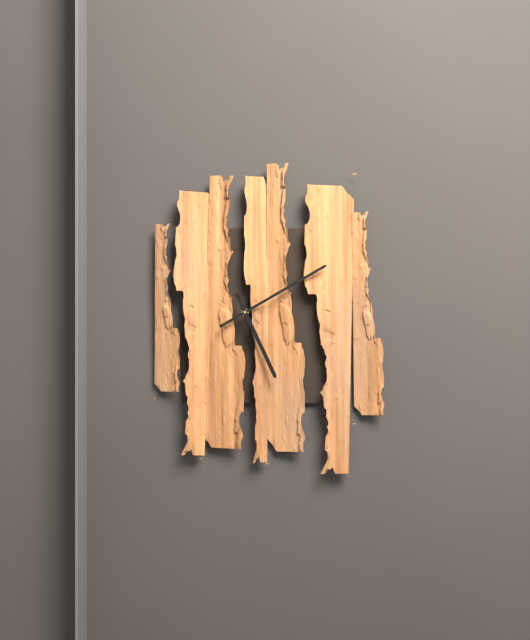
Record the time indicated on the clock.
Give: 5:10
